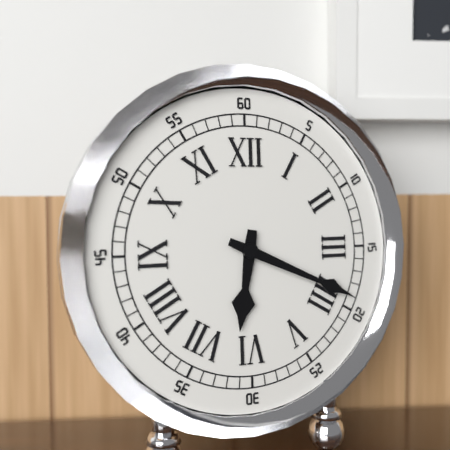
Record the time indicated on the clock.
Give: 6:19
